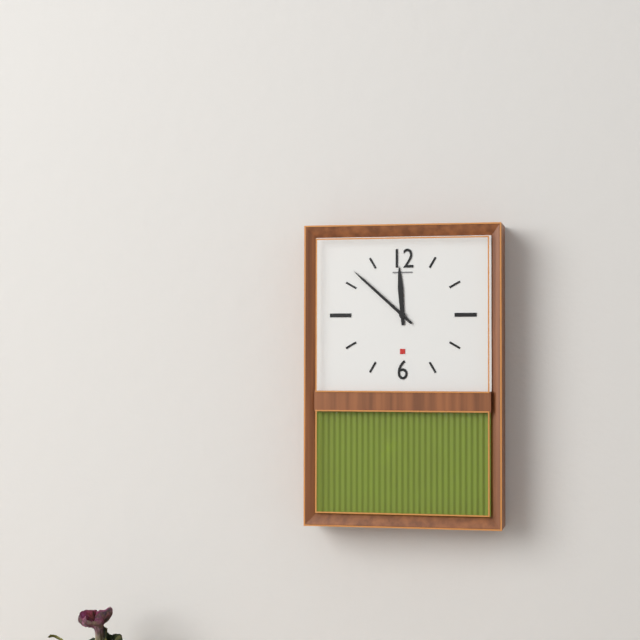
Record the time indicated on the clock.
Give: 11:52
